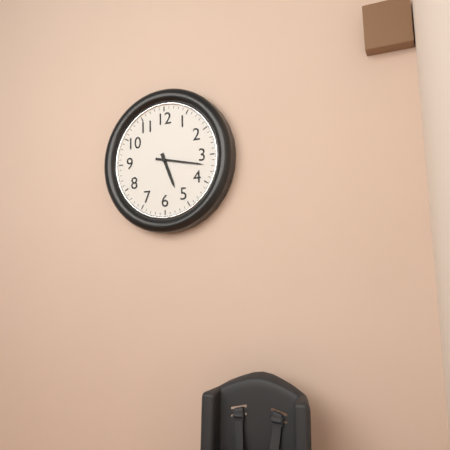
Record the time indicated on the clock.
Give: 5:17
